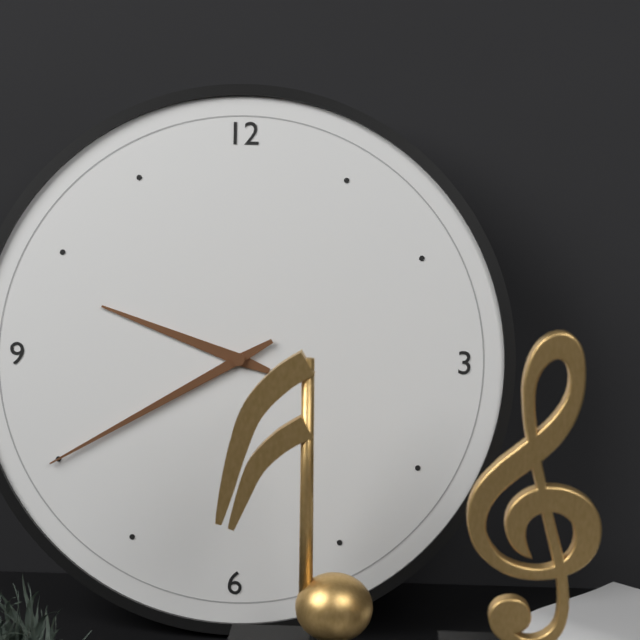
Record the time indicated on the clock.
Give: 9:40
